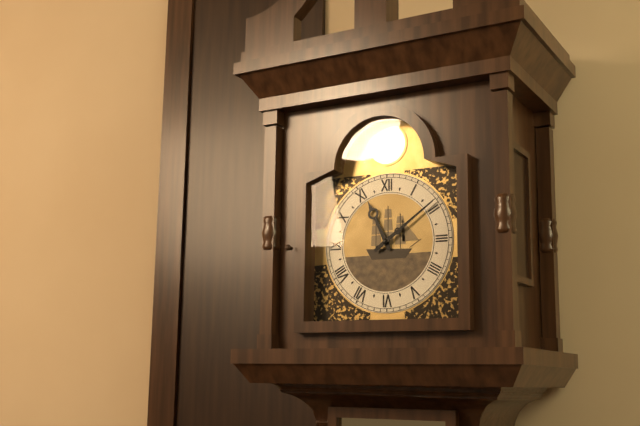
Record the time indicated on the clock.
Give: 11:09
